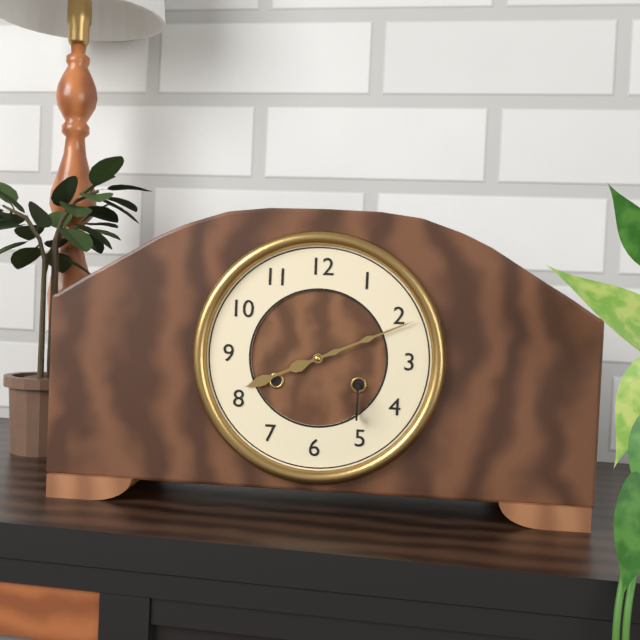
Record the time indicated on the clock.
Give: 8:11
